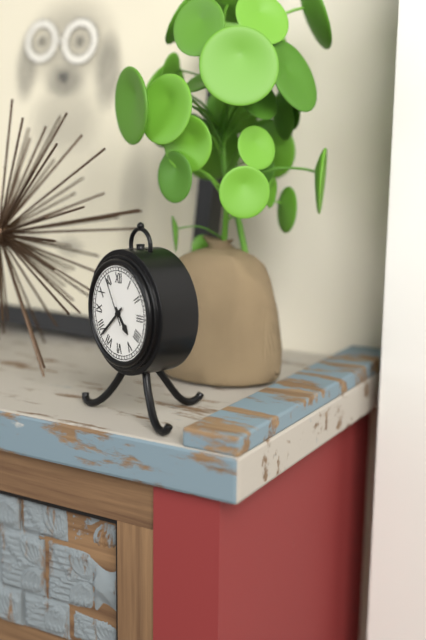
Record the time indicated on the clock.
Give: 4:38:55
